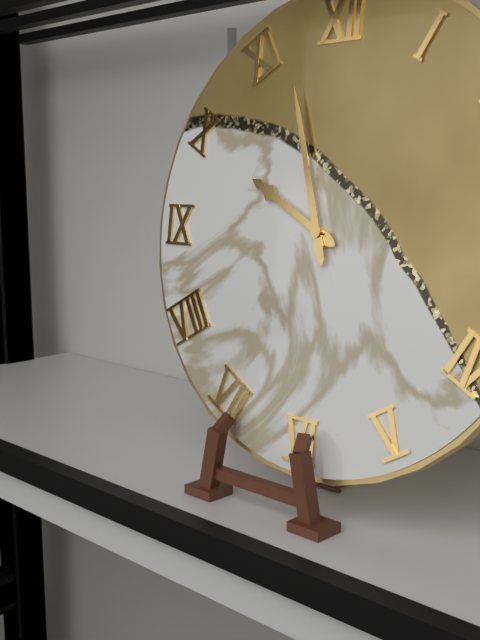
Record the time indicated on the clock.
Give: 9:57
